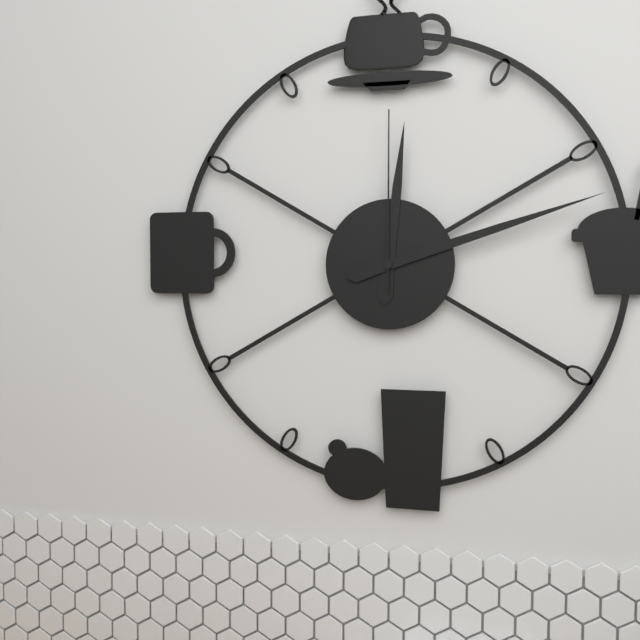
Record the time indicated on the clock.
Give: 12:12:00
